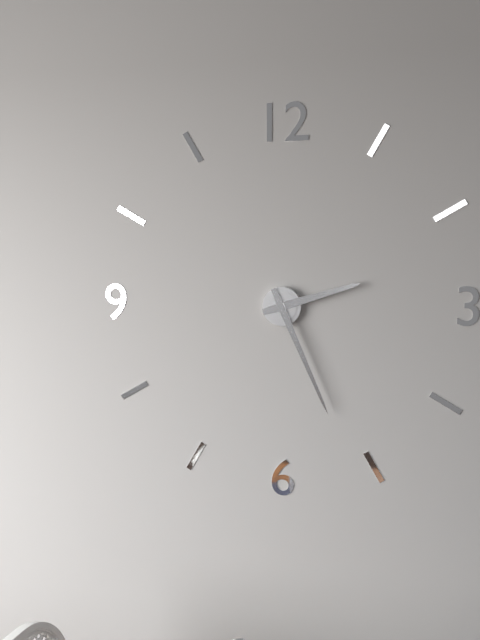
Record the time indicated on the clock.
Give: 2:26
